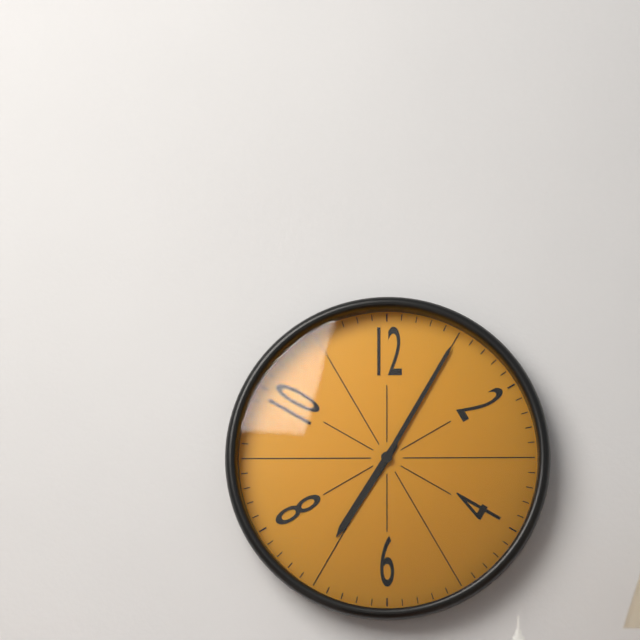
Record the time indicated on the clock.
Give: 7:05
